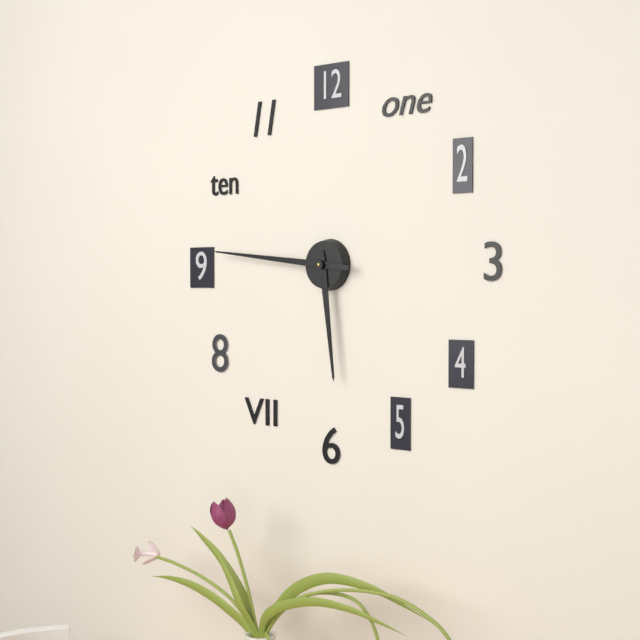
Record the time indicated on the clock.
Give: 5:46
